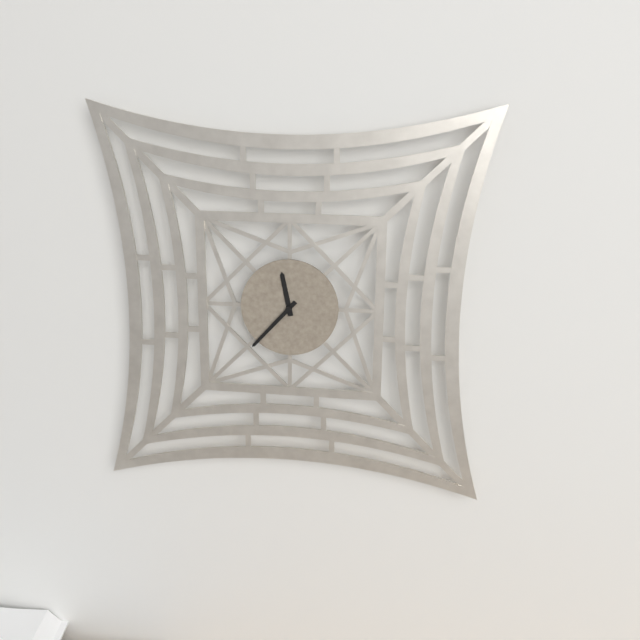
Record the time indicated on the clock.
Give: 11:37
